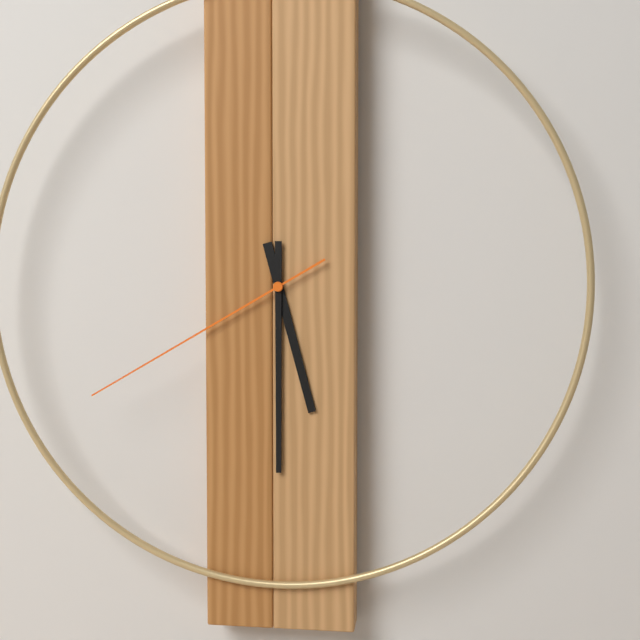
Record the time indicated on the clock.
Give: 5:30:40
